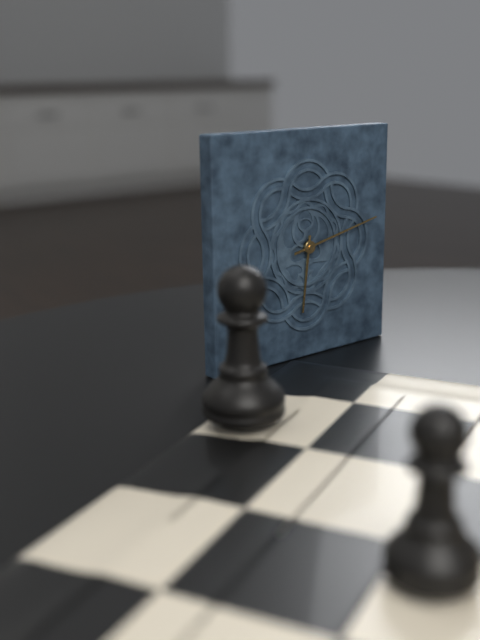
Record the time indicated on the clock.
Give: 6:13
